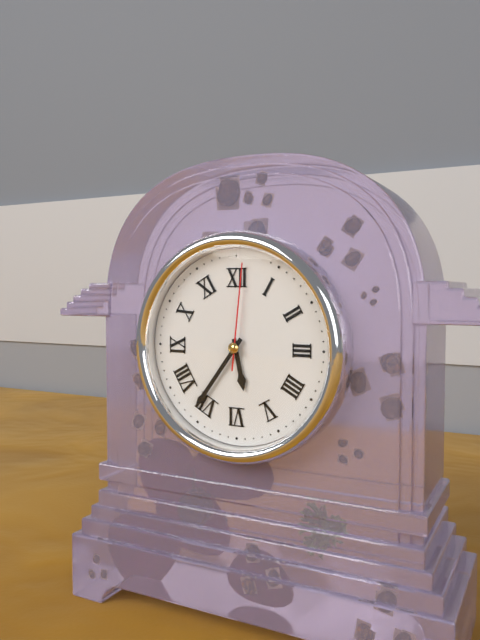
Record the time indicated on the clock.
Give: 5:36:01
